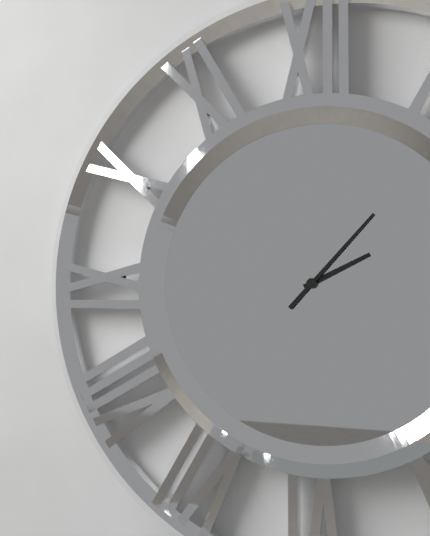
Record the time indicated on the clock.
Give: 2:07
